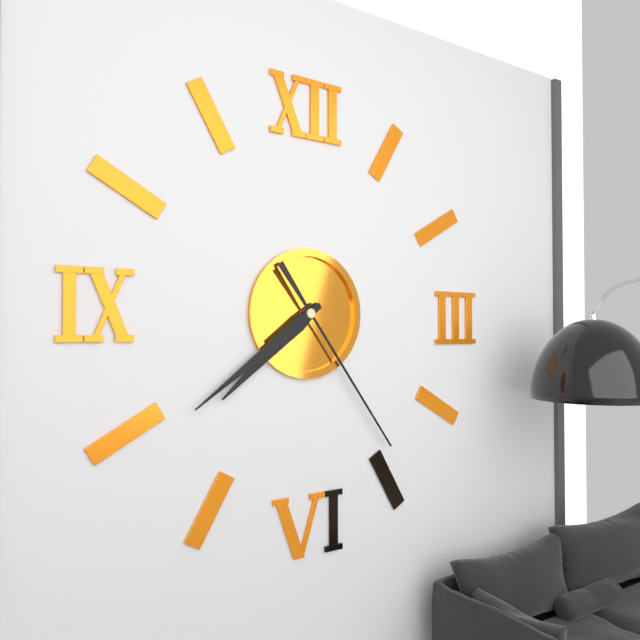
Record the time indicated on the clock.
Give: 7:39:24
